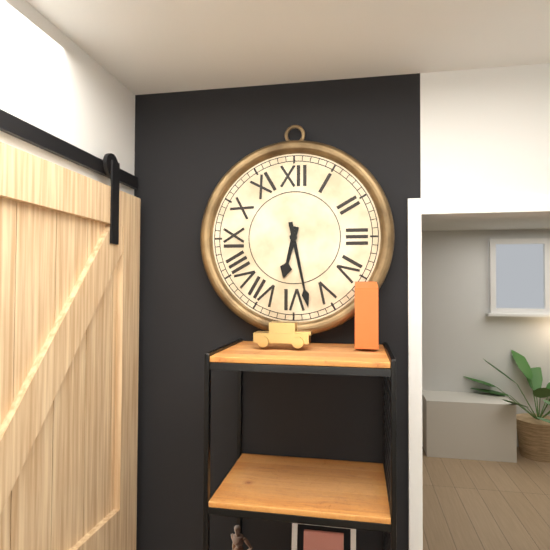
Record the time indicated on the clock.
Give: 6:28
